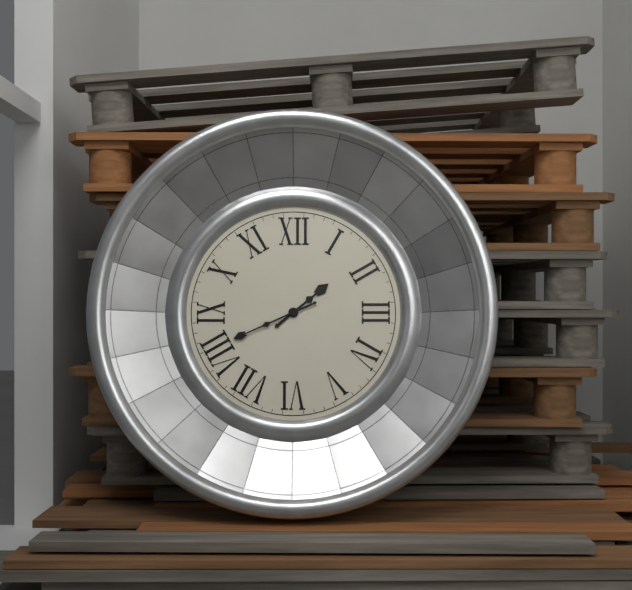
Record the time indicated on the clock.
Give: 1:41
